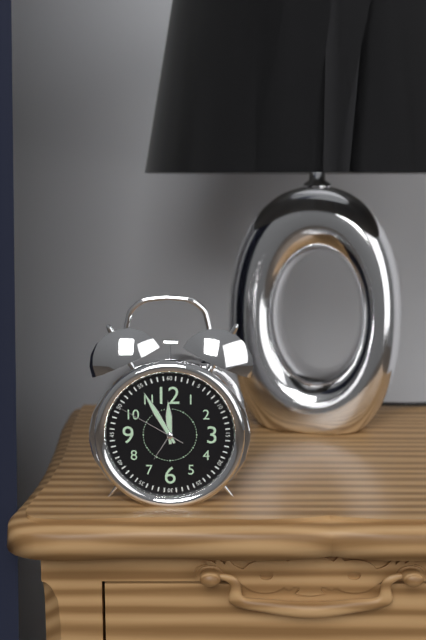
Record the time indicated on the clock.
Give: 11:55:50
